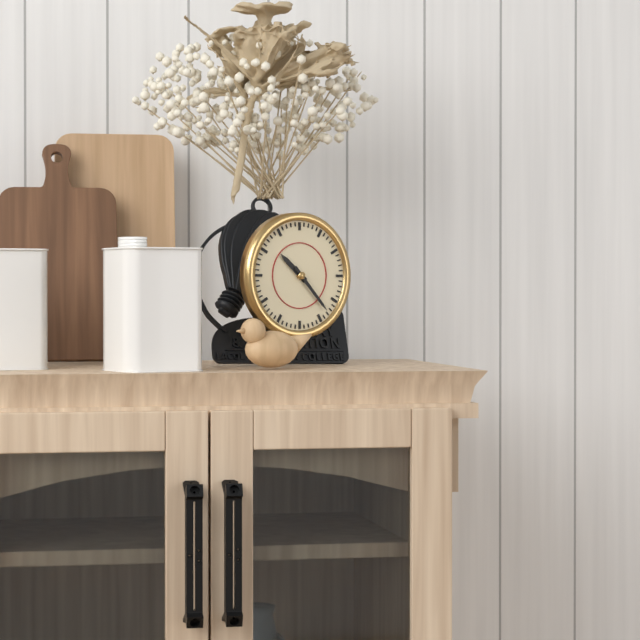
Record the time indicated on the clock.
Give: 10:23
